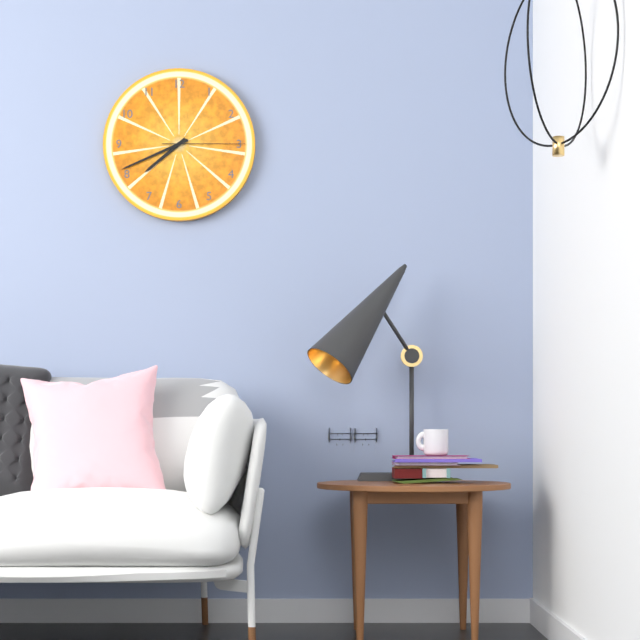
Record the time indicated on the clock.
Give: 7:41:15
